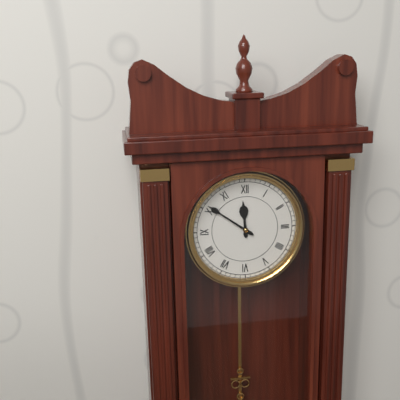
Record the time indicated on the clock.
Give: 11:51
